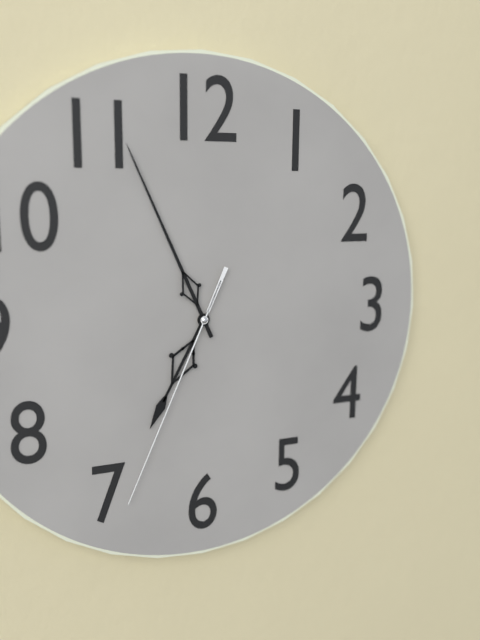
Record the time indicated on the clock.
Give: 6:56:34
